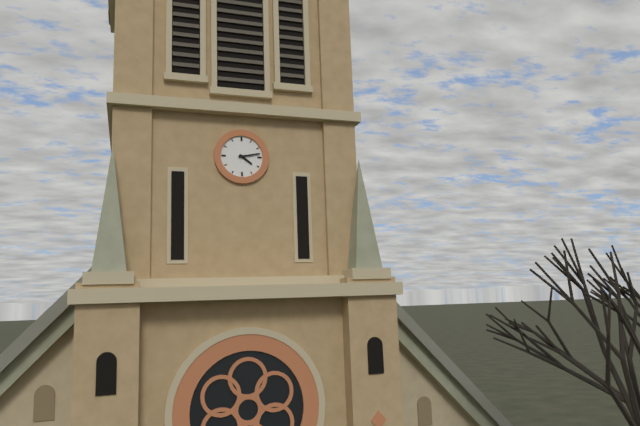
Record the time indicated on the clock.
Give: 4:13
